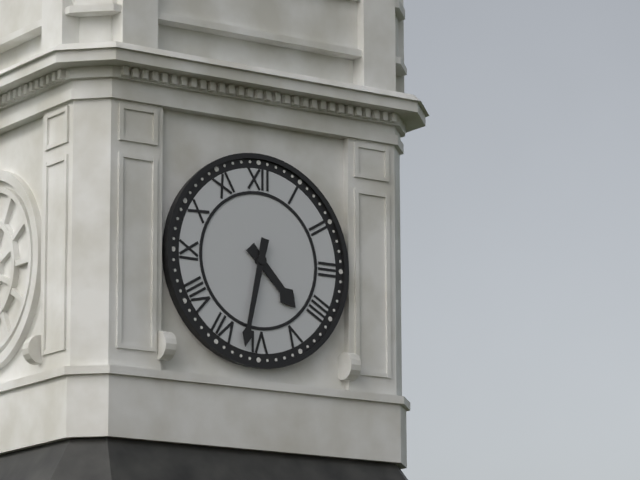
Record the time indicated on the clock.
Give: 4:32
